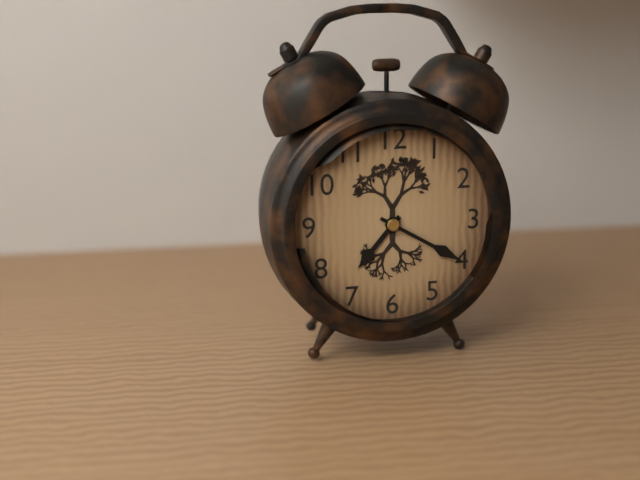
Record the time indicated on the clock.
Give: 7:20
